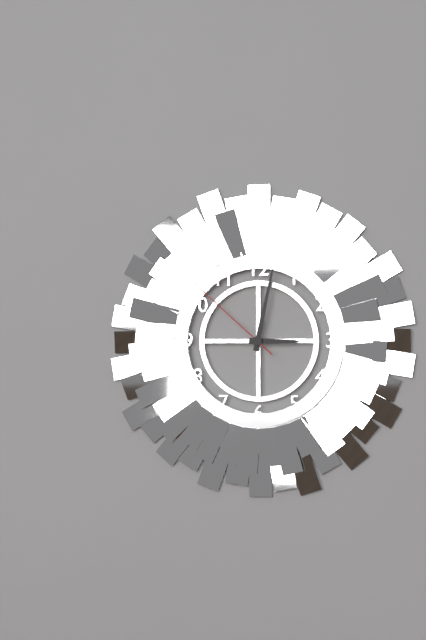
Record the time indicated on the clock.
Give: 3:02:52
